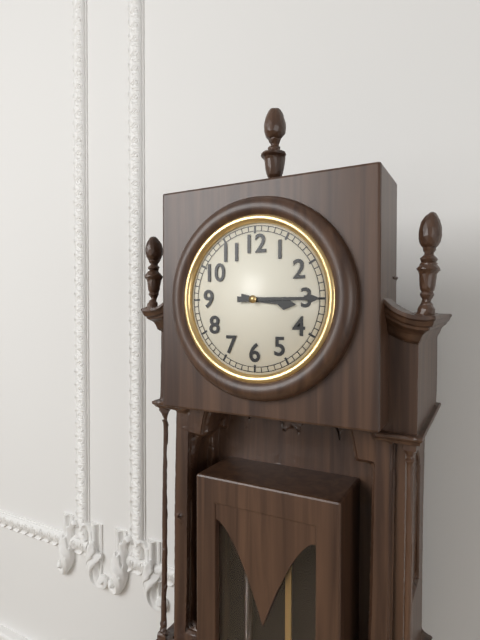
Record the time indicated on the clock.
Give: 3:15
